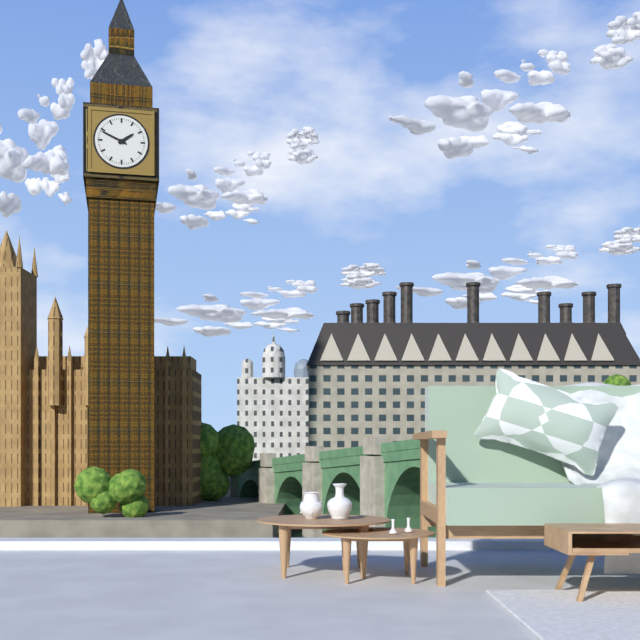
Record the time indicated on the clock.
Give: 1:49
